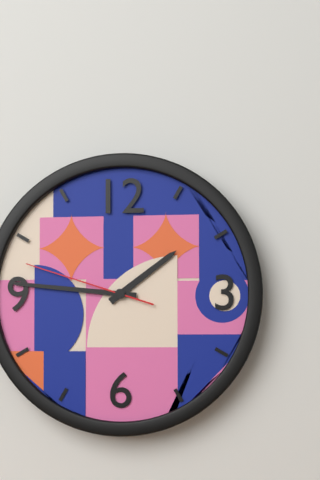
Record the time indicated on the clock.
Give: 1:46:48
